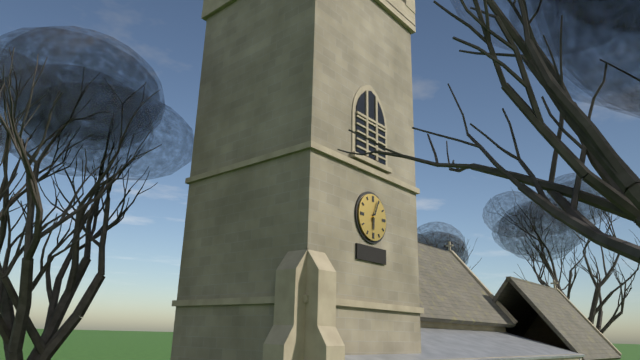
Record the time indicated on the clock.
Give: 6:04
